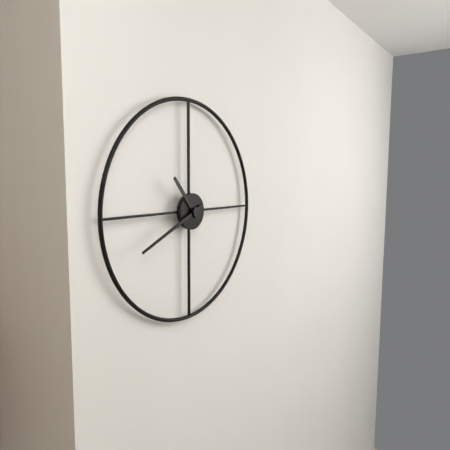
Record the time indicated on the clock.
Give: 10:41
